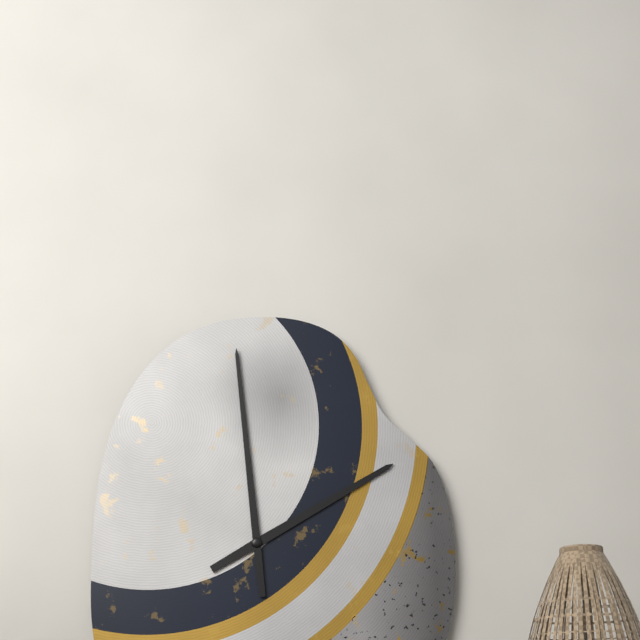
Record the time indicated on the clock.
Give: 1:59
